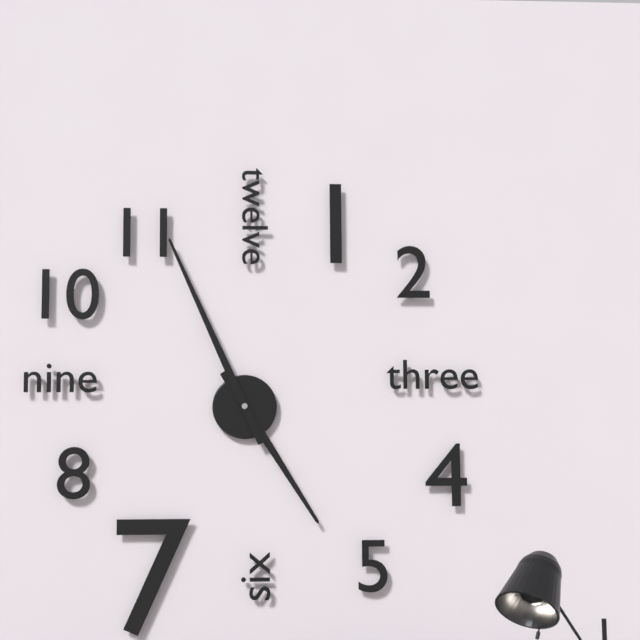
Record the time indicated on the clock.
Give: 4:56
